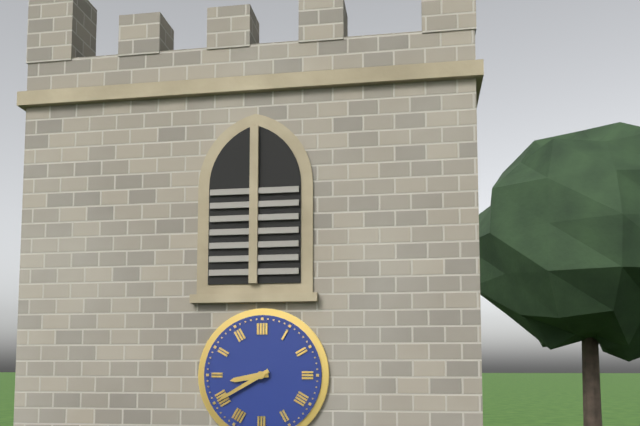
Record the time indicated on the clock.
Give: 8:40
